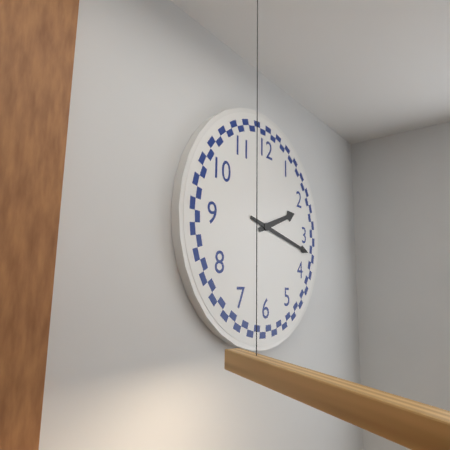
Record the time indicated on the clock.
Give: 2:17
